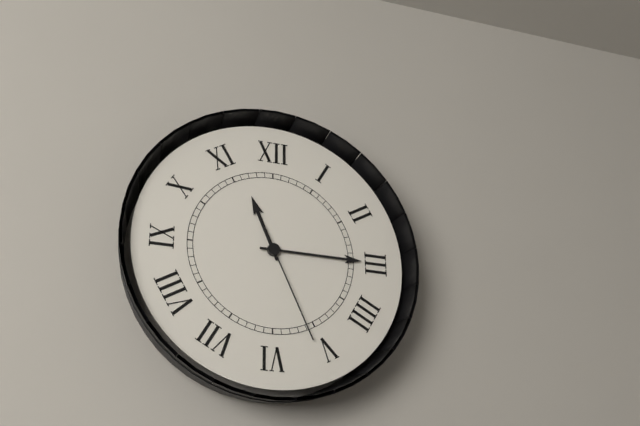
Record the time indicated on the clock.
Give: 11:15:26
